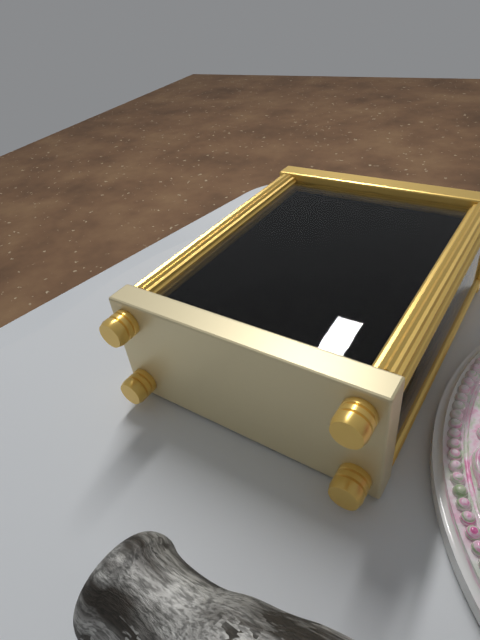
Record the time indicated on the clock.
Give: 1:56
